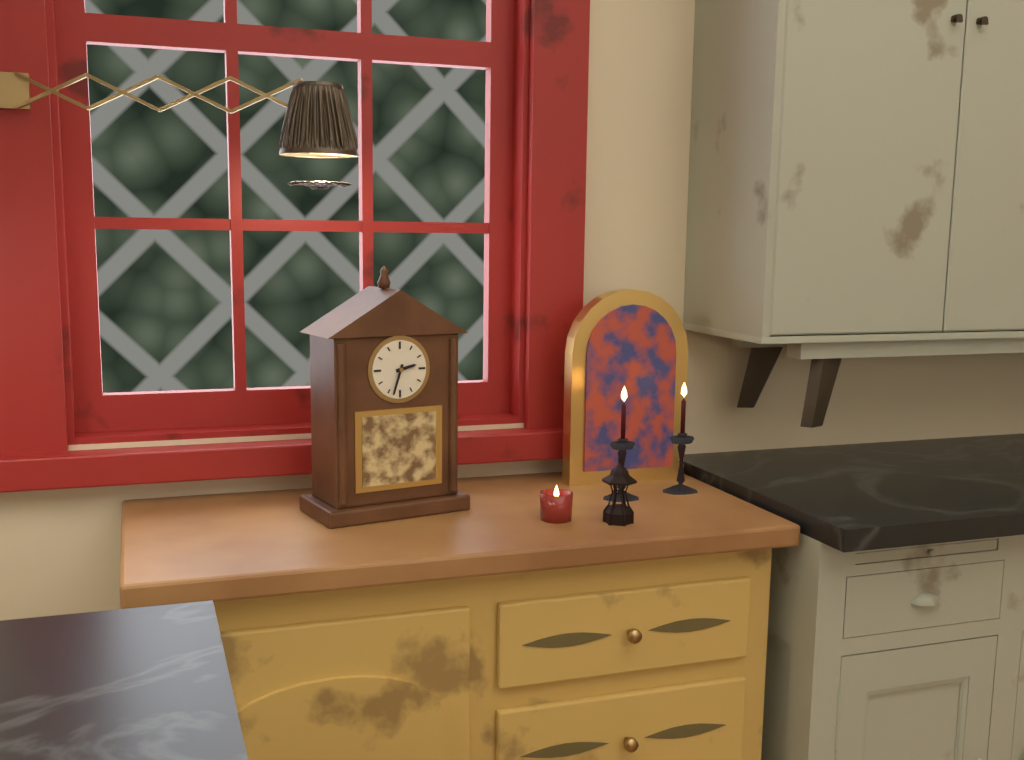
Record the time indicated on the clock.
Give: 2:33
